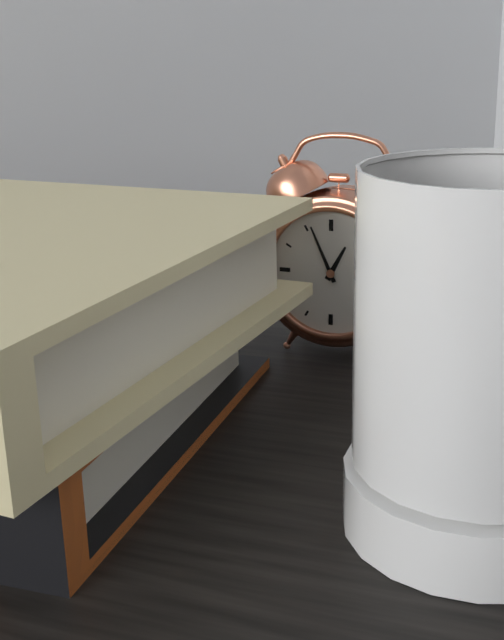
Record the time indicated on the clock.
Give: 12:56
